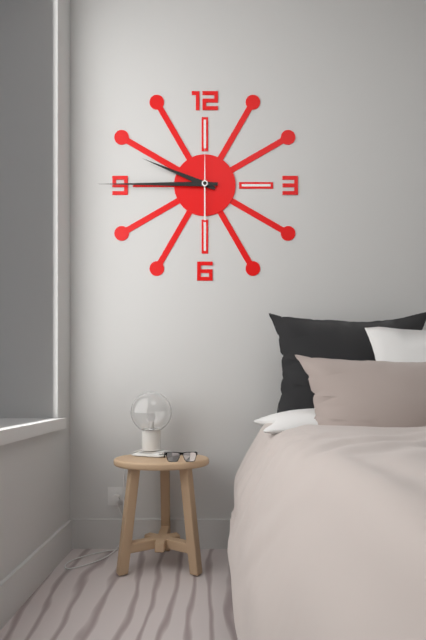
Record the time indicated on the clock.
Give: 9:45:00
